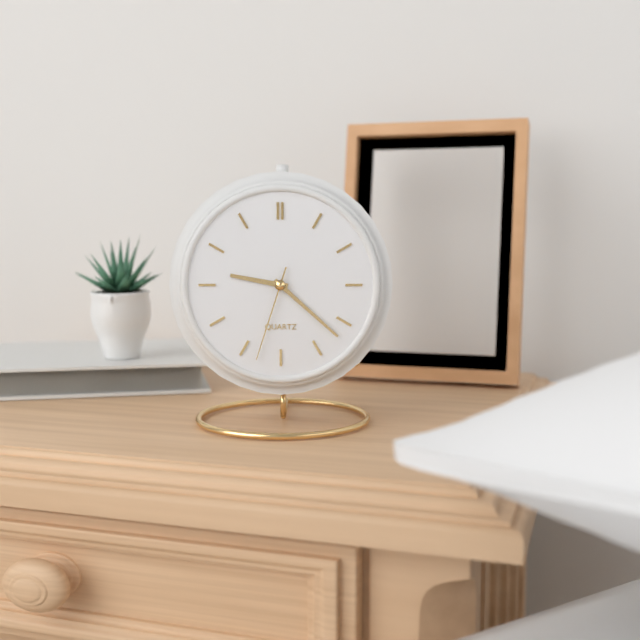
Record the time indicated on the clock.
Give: 9:22:33
